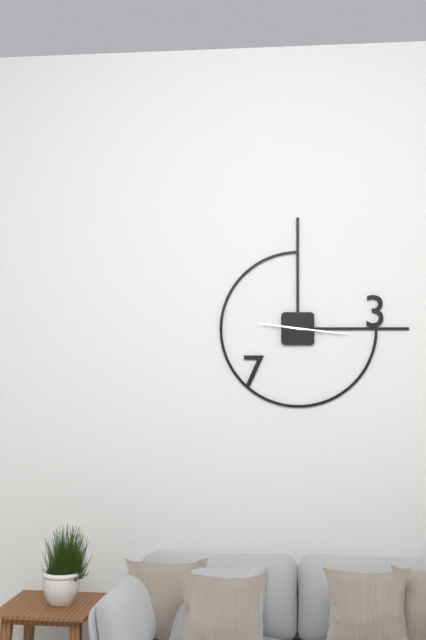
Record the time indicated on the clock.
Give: 9:16
